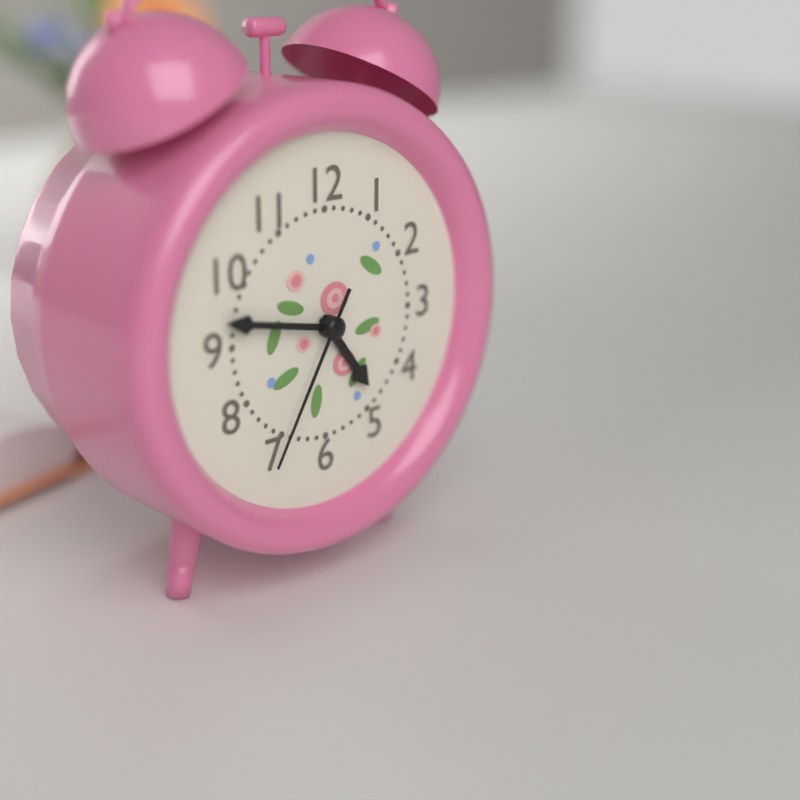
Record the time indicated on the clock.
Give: 4:47:35
